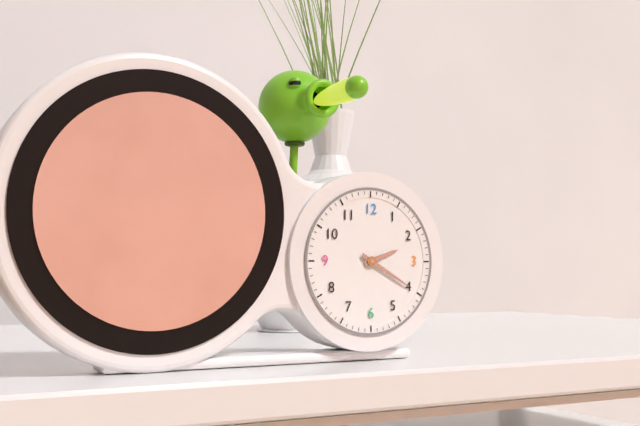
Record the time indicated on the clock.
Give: 2:20
